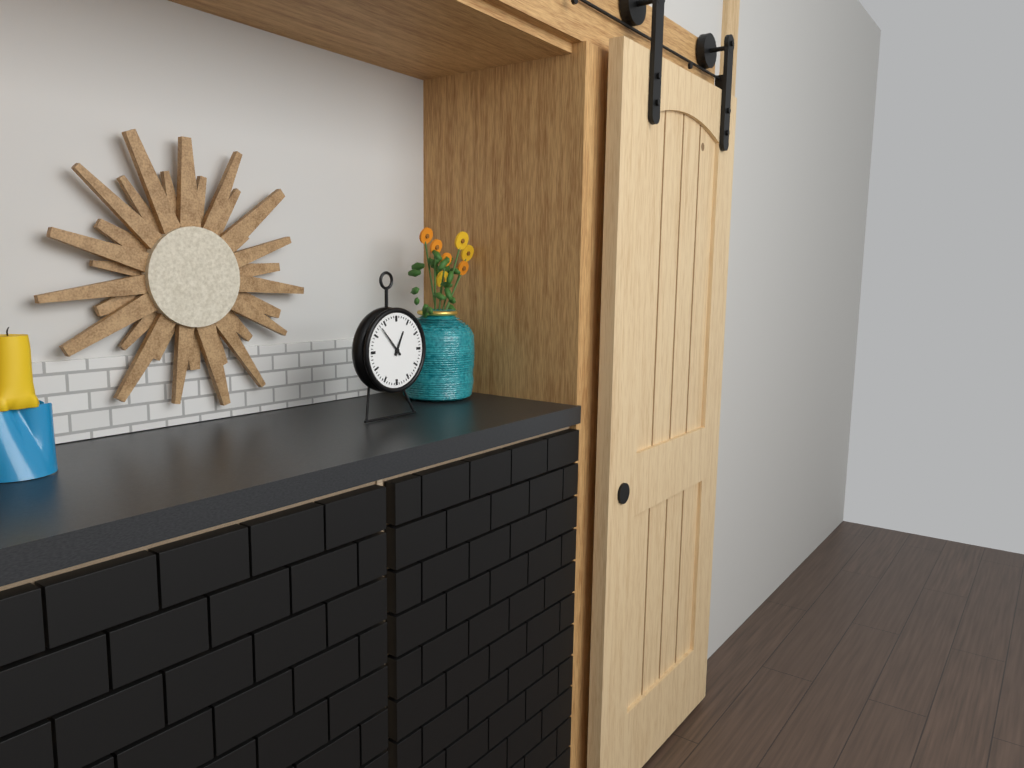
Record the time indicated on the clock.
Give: 12:53
